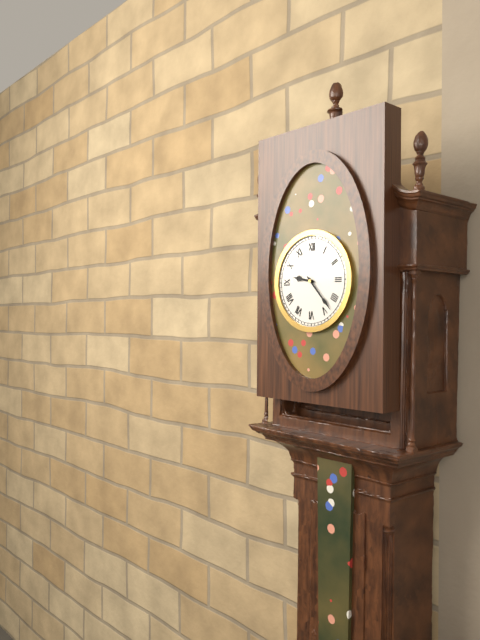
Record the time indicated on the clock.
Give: 9:23
